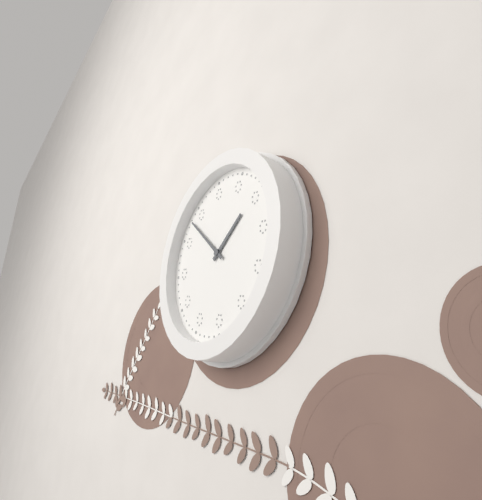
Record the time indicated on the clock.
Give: 1:53
